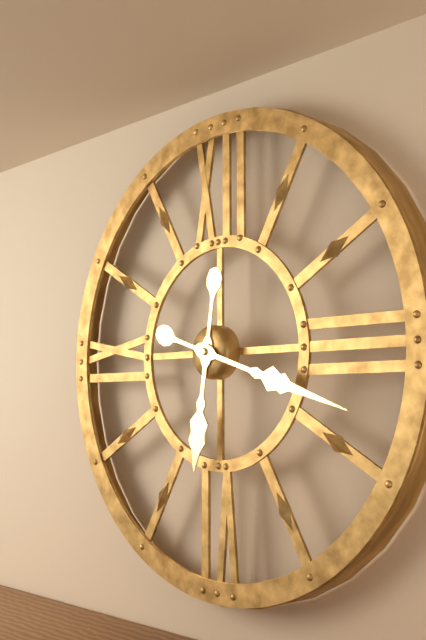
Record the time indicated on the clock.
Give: 6:18
